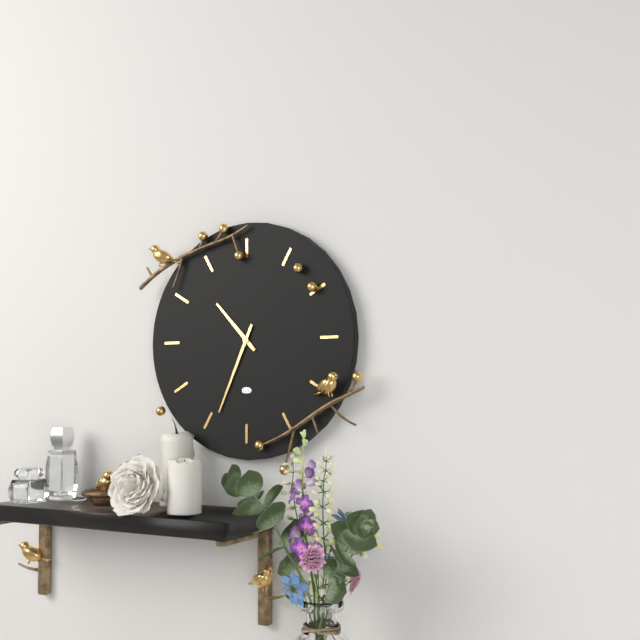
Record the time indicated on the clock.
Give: 10:34
